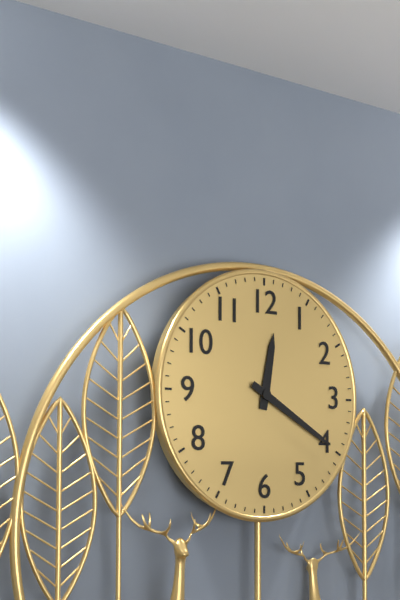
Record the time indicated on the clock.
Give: 12:20
